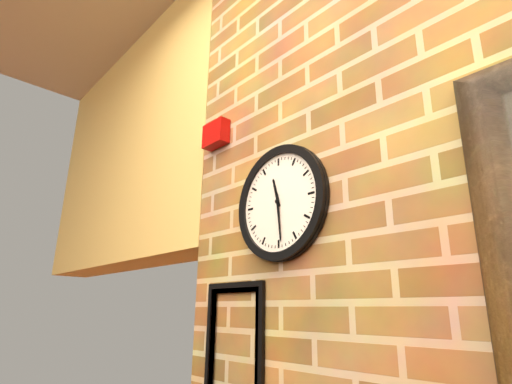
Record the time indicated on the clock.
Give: 11:29
